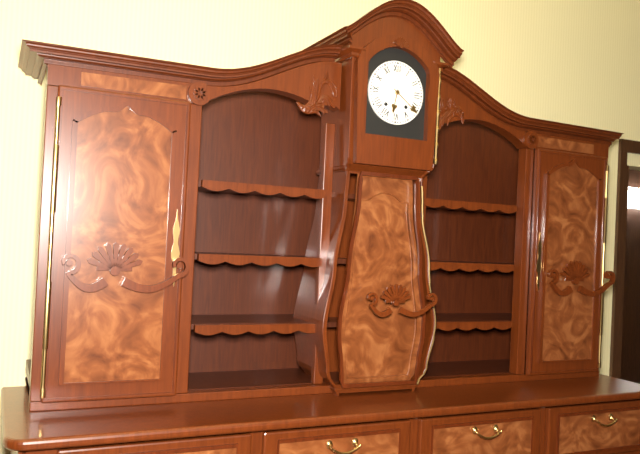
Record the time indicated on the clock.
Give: 6:21
